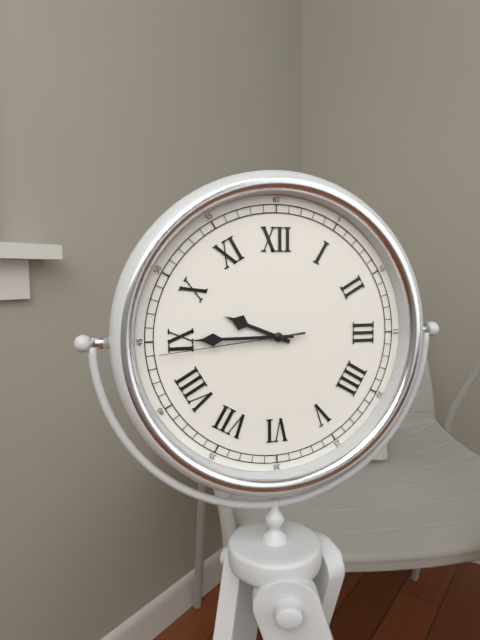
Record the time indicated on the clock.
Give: 9:45:44
